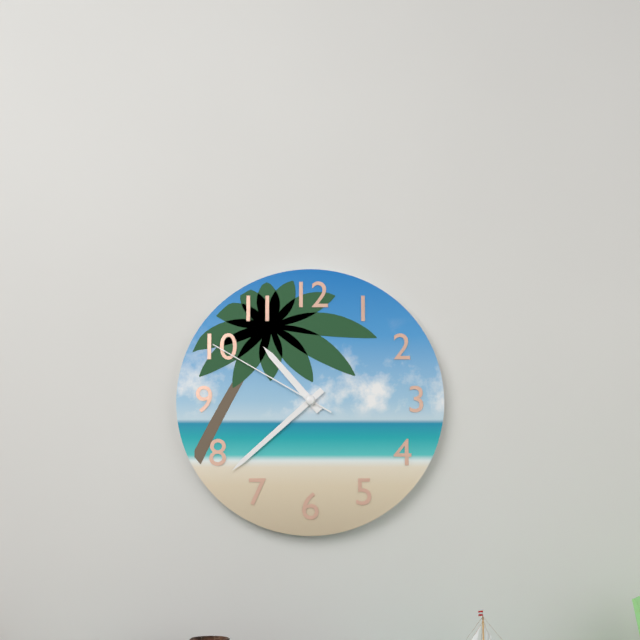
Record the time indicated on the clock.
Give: 10:38:50
